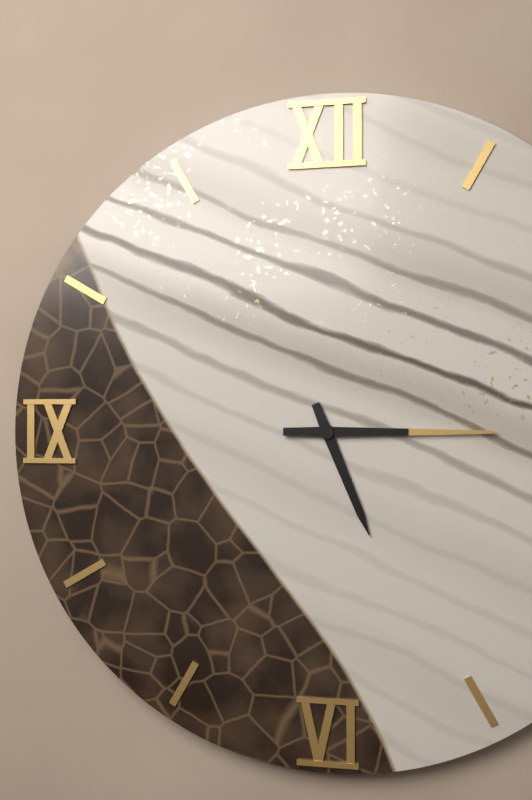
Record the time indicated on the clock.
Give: 5:15
